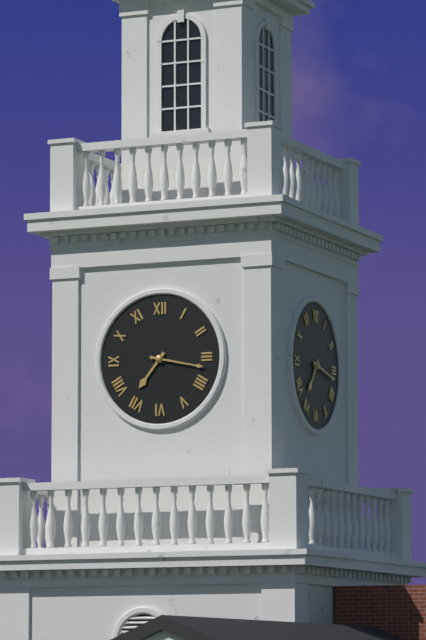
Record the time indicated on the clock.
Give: 7:17
